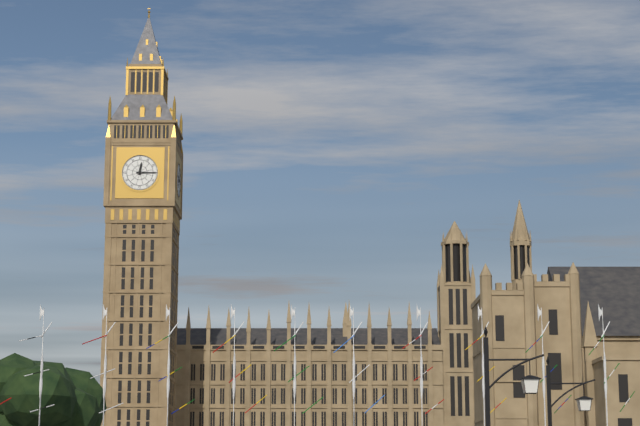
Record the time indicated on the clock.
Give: 12:15
